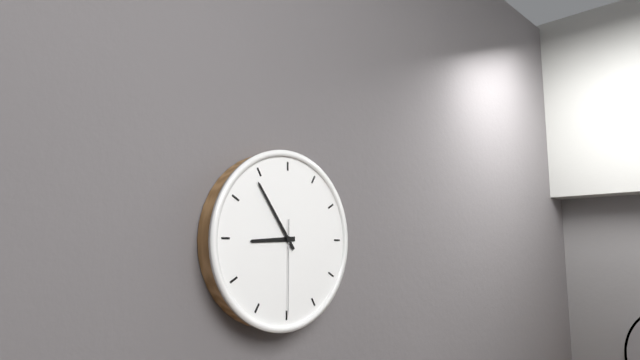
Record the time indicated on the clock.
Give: 8:54:30
